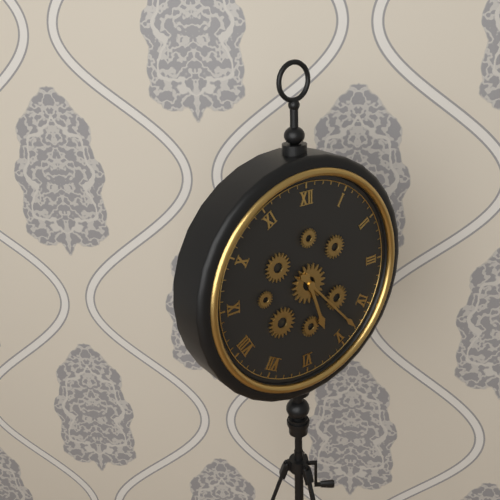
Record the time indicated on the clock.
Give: 5:23
